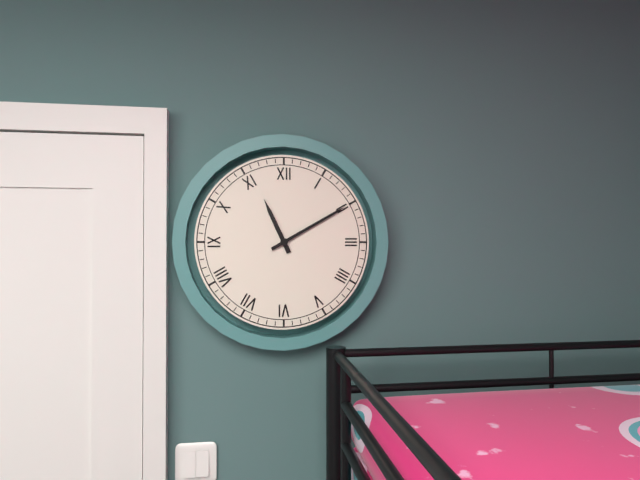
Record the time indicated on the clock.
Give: 11:10
